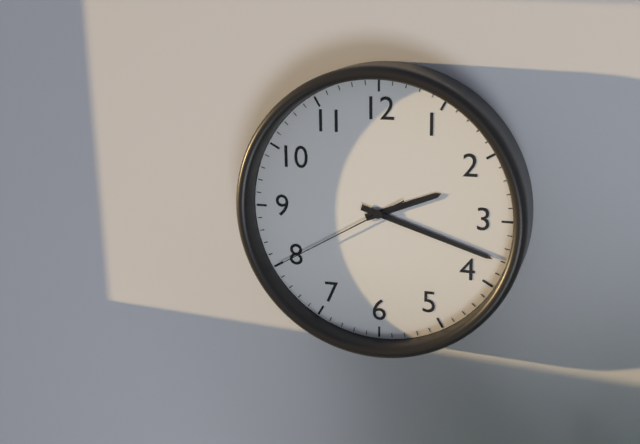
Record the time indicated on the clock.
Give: 2:18:40
